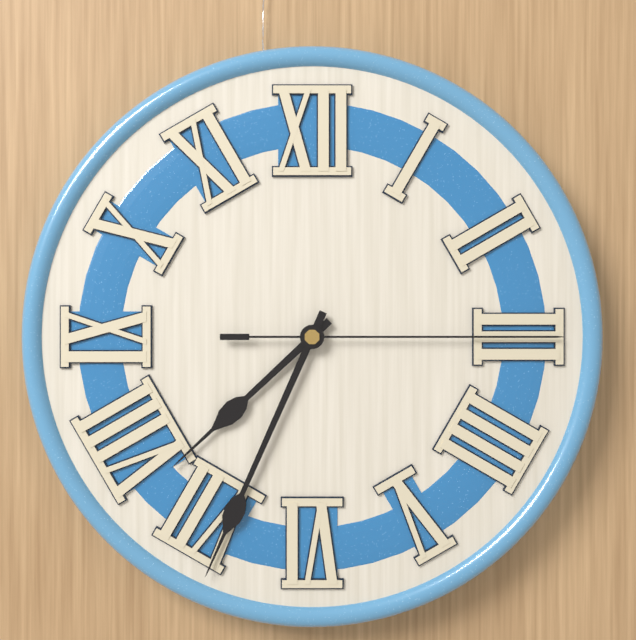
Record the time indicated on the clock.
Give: 7:34:15
